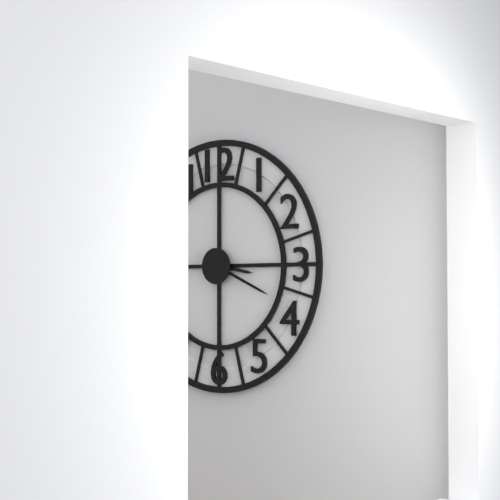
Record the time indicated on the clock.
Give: 3:19
